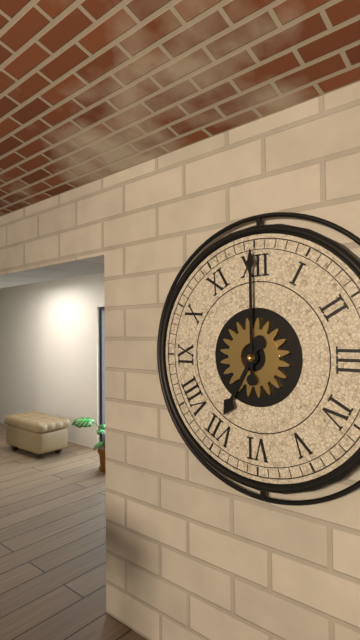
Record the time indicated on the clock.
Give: 7:00
